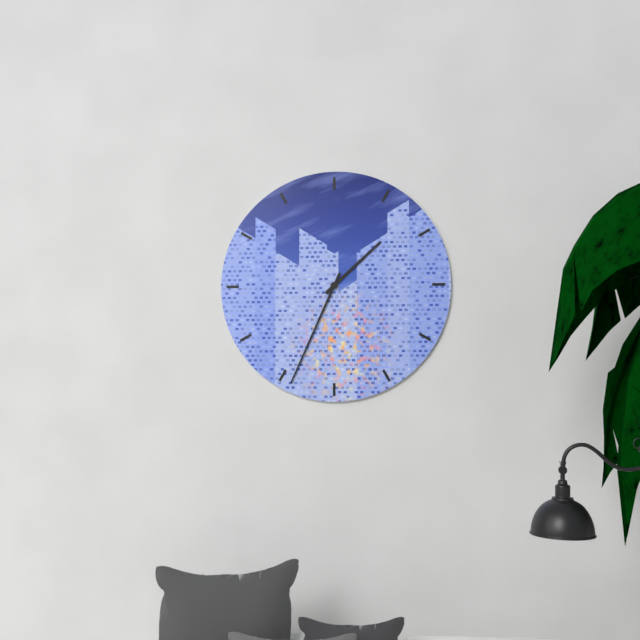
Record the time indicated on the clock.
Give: 1:34
